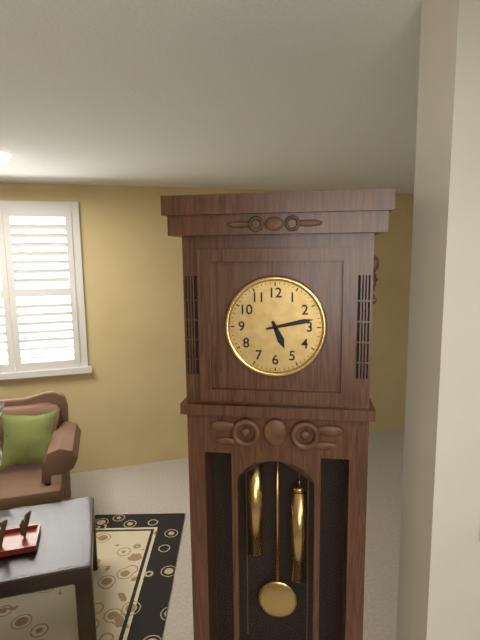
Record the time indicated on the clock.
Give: 5:13
